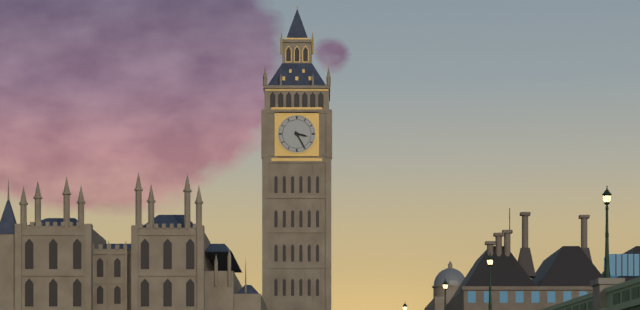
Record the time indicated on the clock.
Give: 3:25
